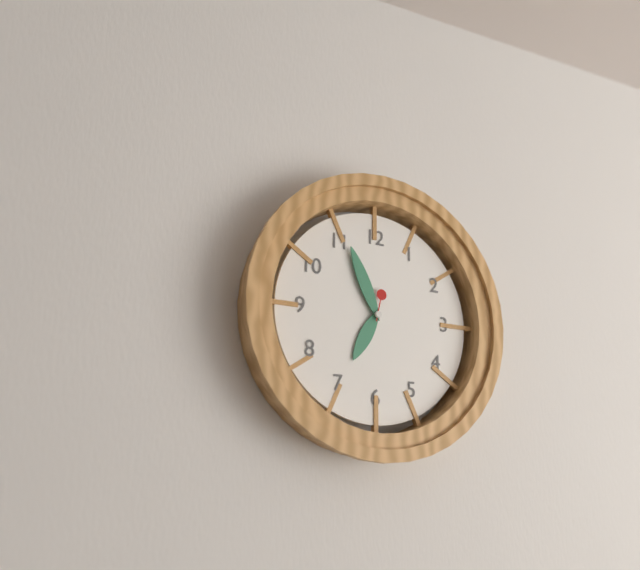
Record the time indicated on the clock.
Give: 6:56
